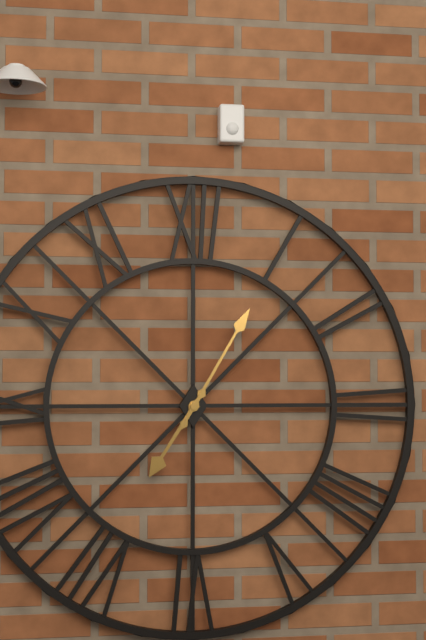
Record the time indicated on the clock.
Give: 7:05
